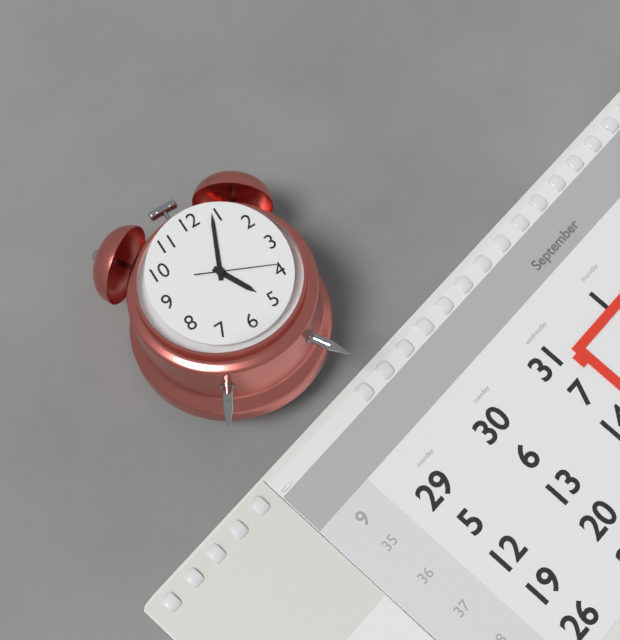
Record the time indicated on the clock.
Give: 5:04:19
